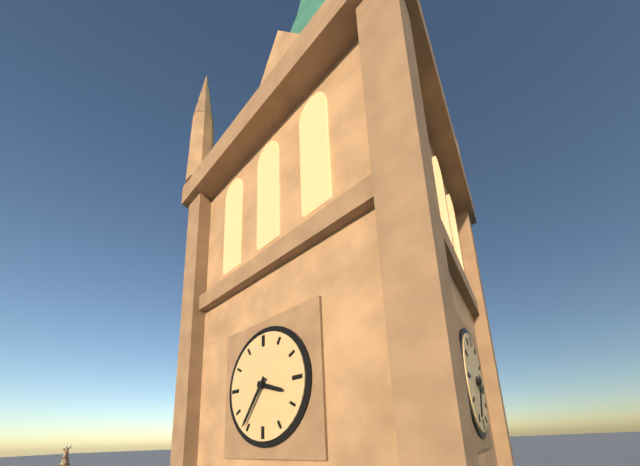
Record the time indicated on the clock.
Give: 3:36
